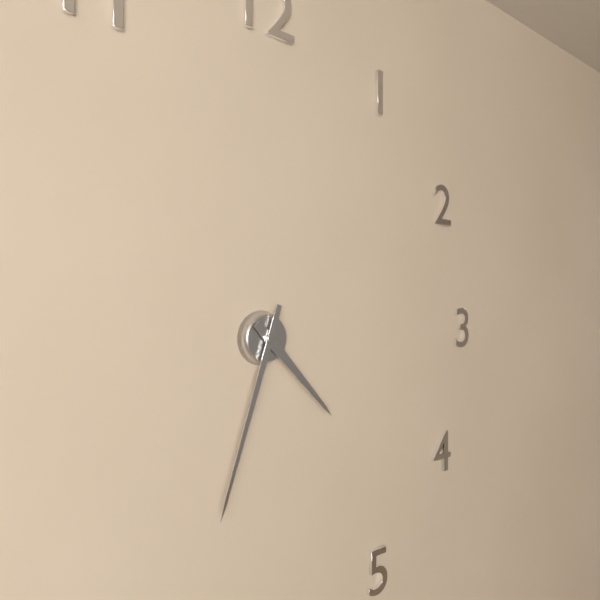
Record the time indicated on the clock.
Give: 4:33
